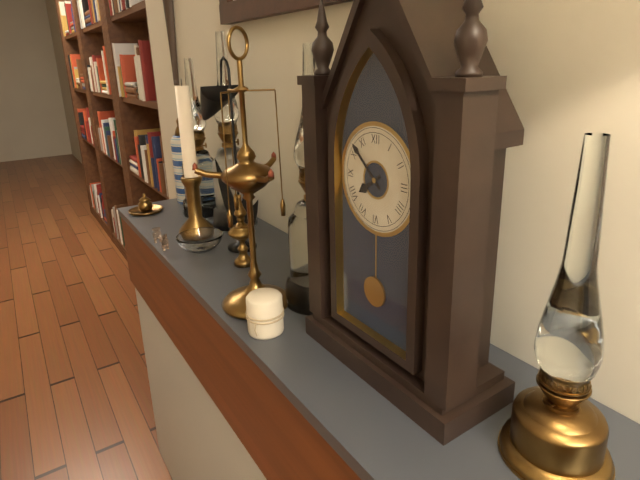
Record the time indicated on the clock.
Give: 7:52
